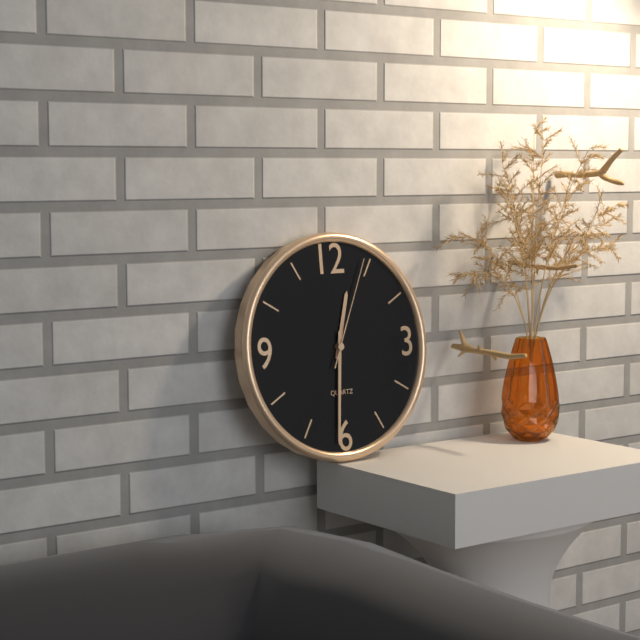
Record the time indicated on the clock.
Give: 12:31:04
